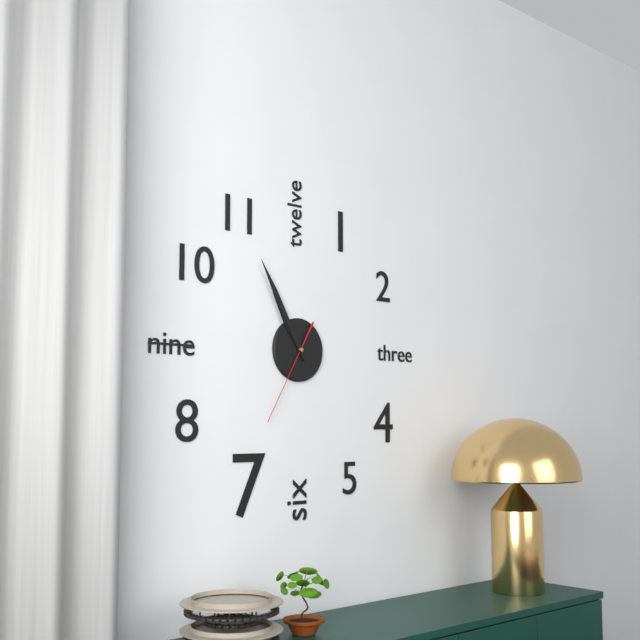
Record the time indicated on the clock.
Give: 10:55:35
